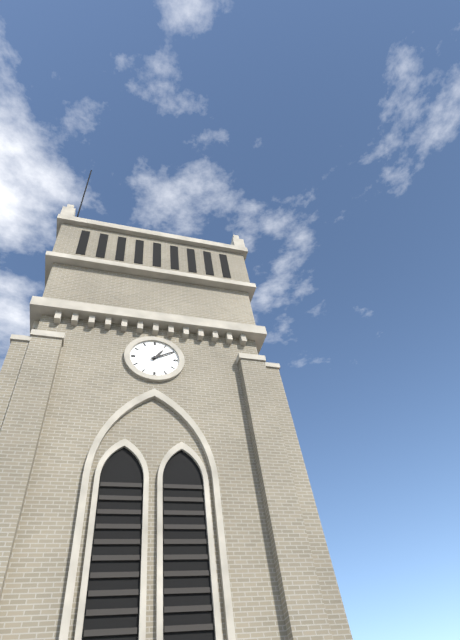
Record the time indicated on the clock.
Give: 1:10
